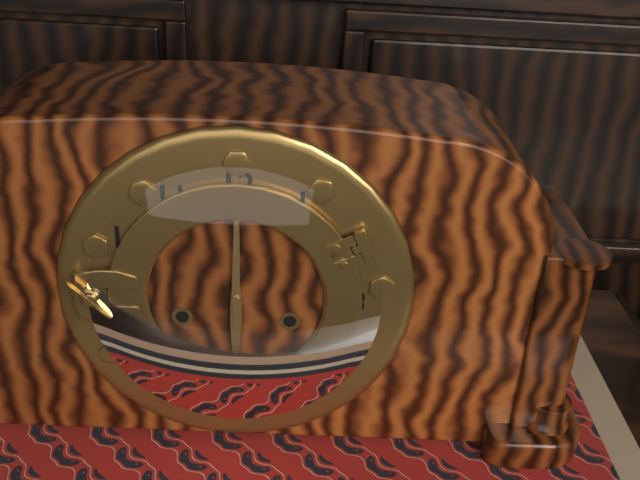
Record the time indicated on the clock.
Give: 6:00
